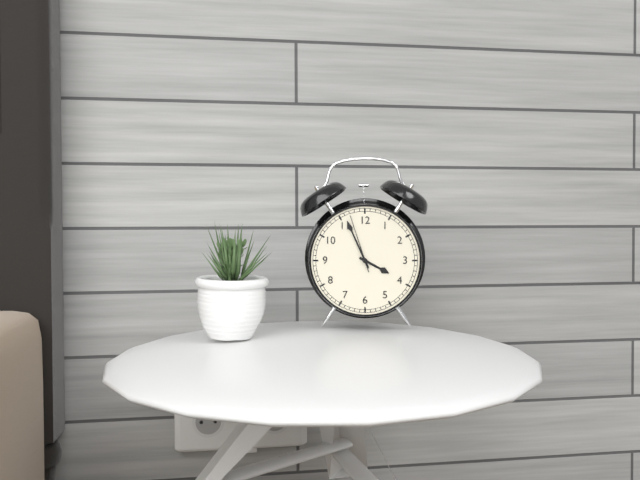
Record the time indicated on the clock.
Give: 3:56:57
